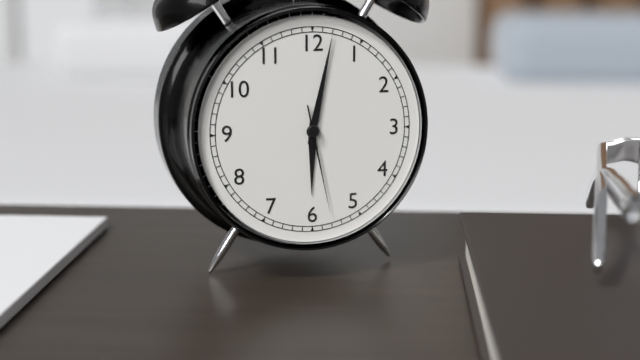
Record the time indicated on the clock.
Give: 6:02:28
